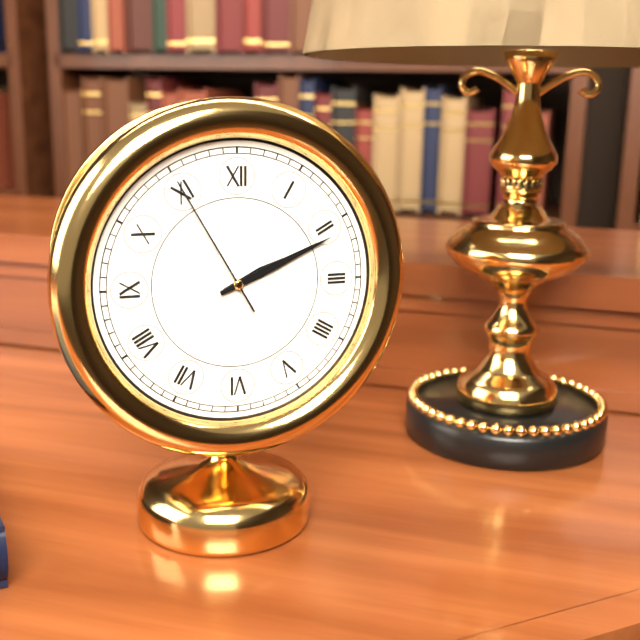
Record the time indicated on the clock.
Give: 2:11:55
